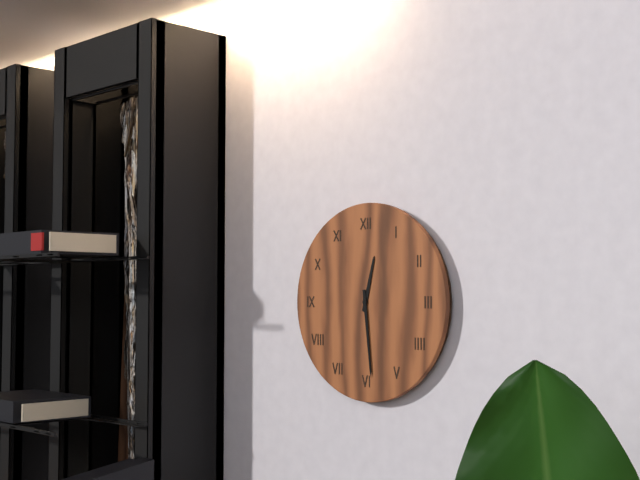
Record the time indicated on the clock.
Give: 12:29
